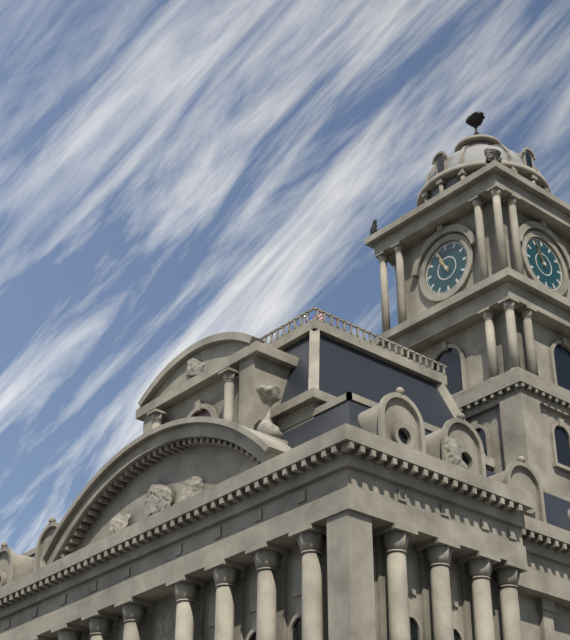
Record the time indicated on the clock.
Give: 10:56
